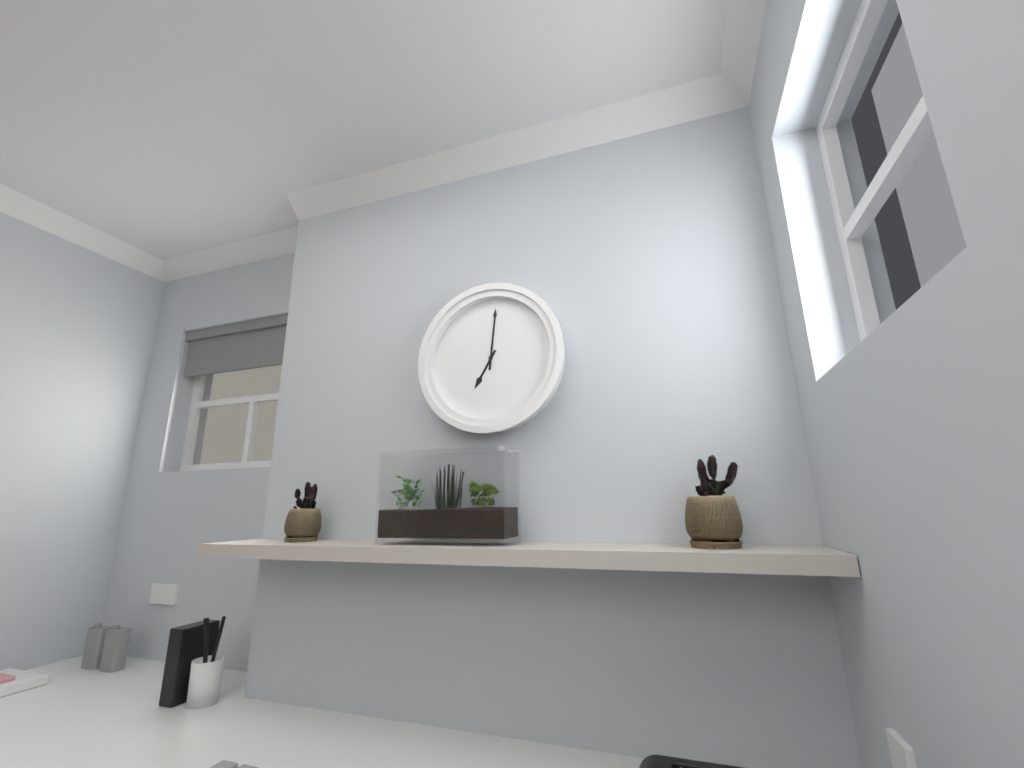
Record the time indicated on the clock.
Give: 7:01
